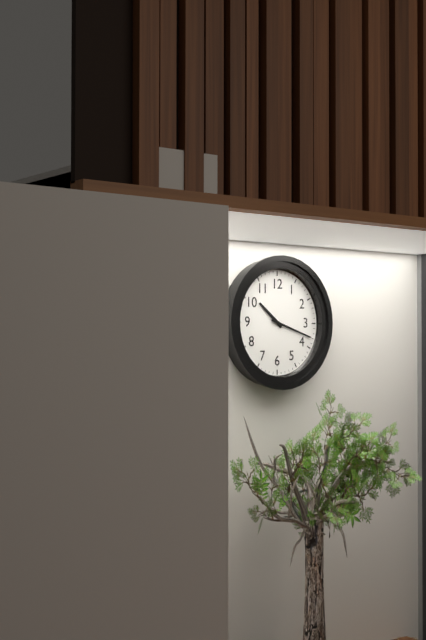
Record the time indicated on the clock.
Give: 10:18
